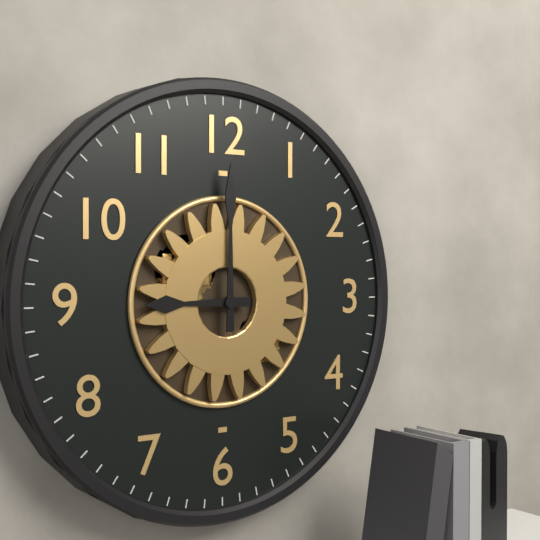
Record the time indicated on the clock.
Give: 9:00
